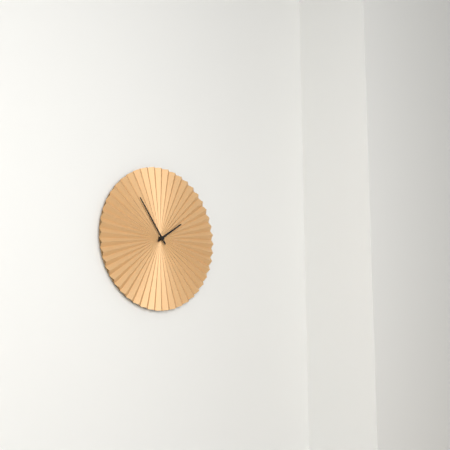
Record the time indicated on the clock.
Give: 1:54
